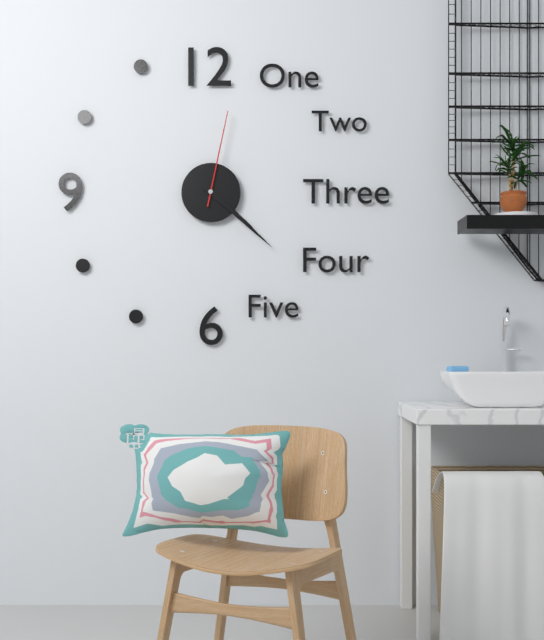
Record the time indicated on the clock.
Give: 4:22:02
